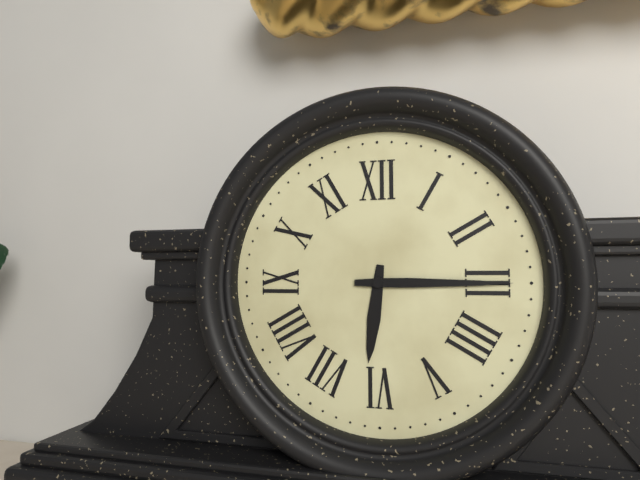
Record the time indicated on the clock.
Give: 6:15
